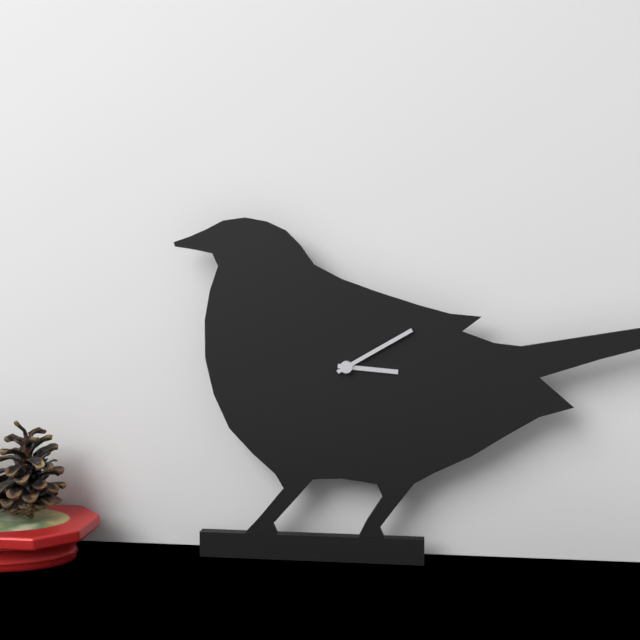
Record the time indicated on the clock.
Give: 3:10
